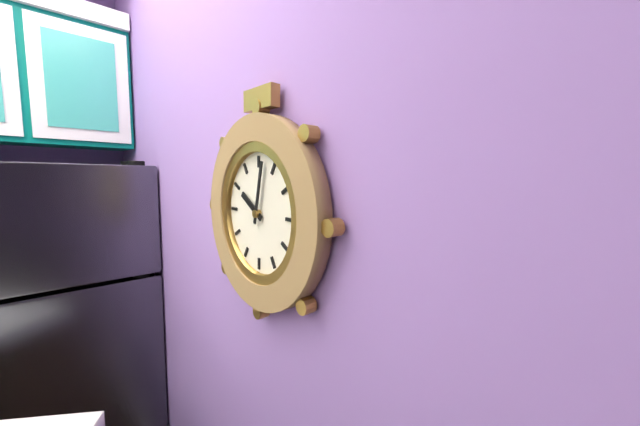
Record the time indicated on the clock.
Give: 10:02
